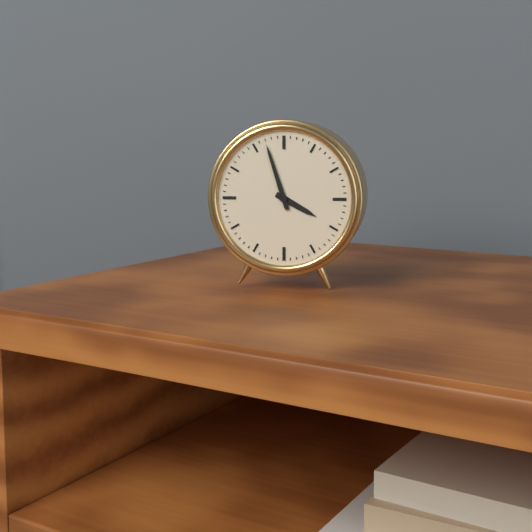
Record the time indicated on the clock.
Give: 3:57
